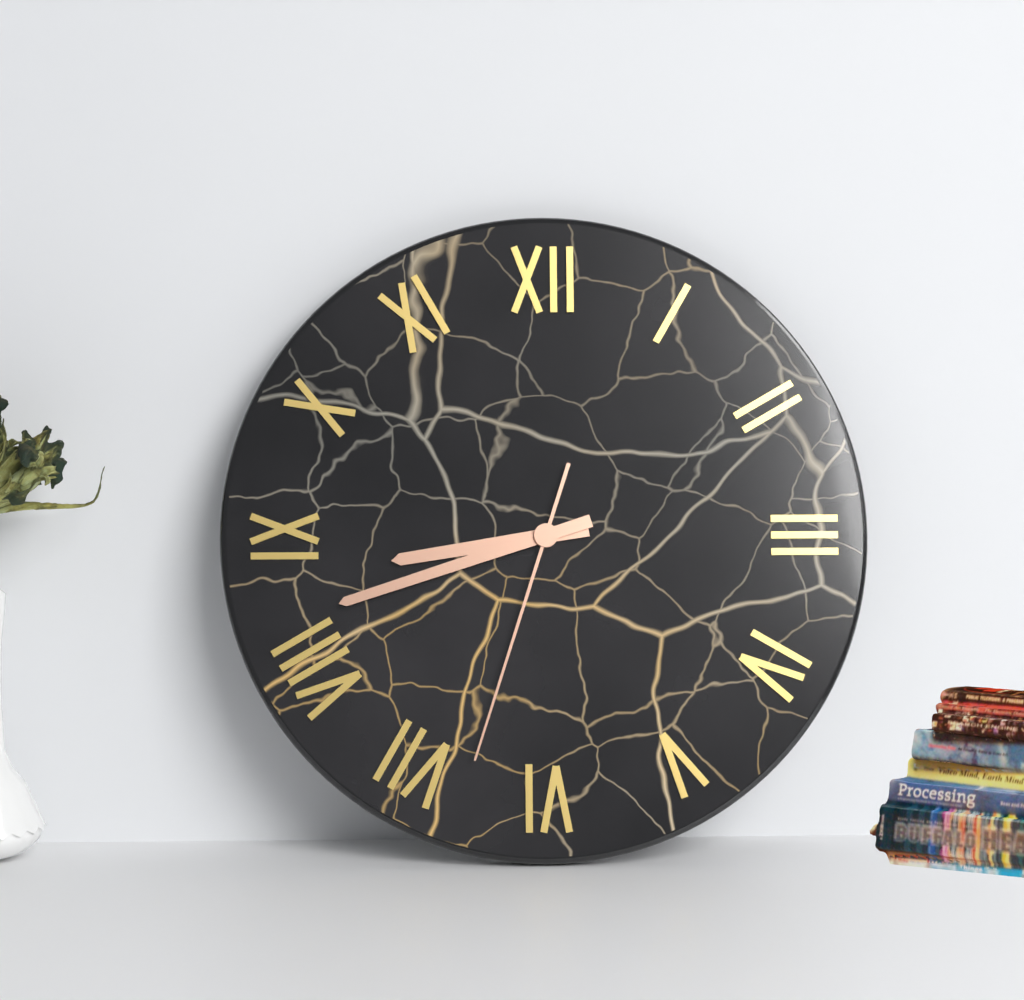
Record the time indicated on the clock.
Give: 8:42:33
